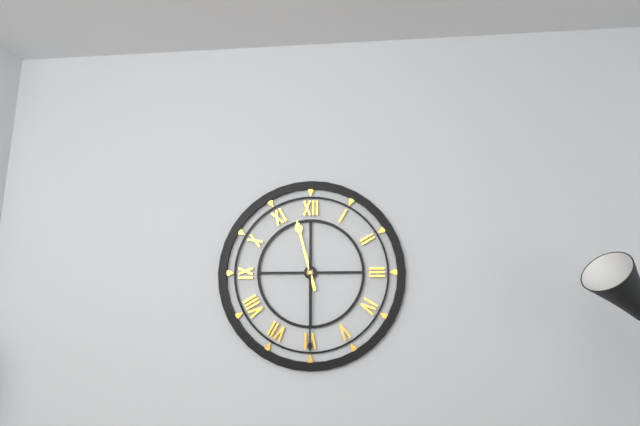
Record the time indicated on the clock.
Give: 11:30
